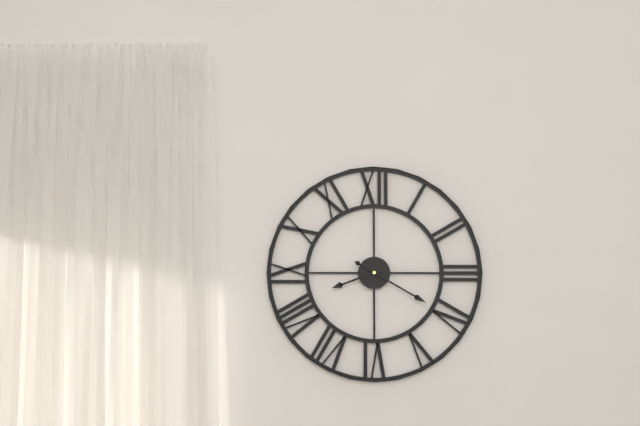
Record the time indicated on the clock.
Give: 8:20
